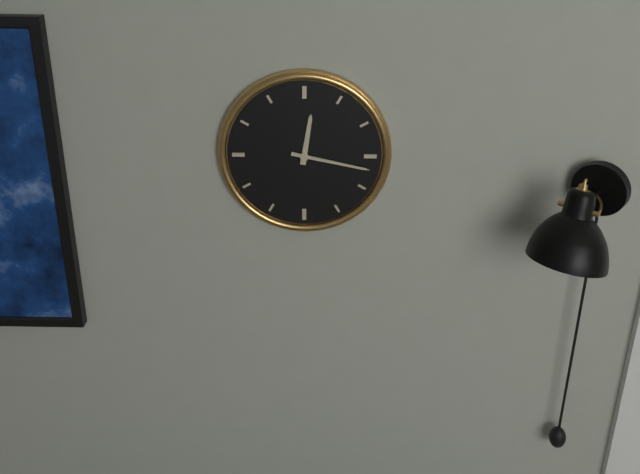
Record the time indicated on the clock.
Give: 12:17
